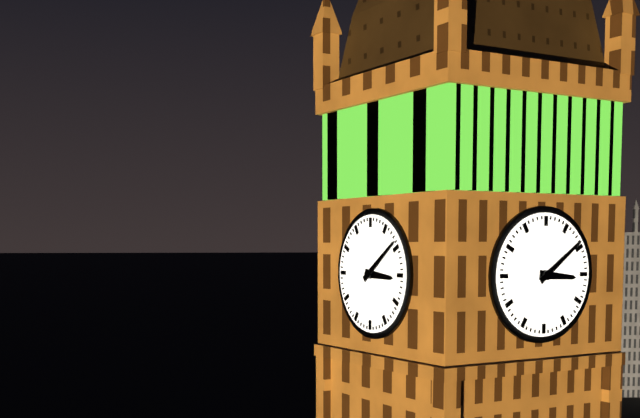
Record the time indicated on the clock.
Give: 3:09
